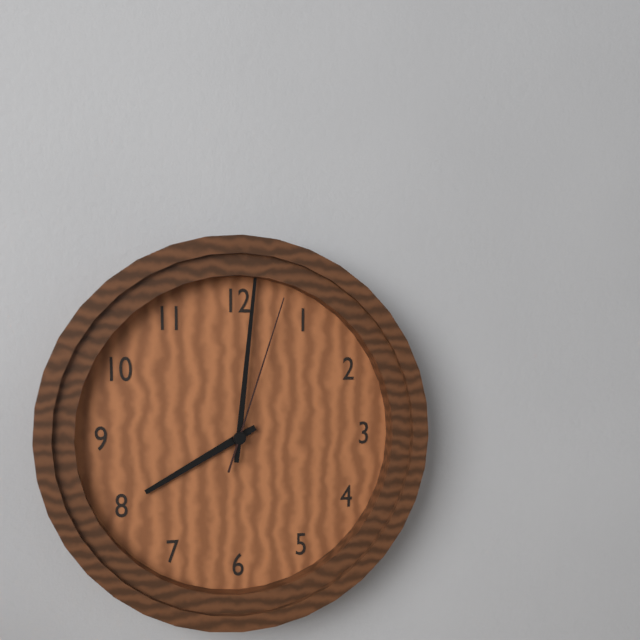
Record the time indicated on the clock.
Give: 8:01:03
